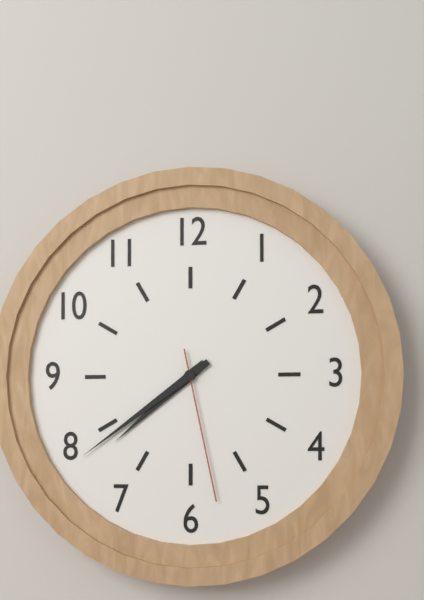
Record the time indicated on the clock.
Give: 7:39:28
